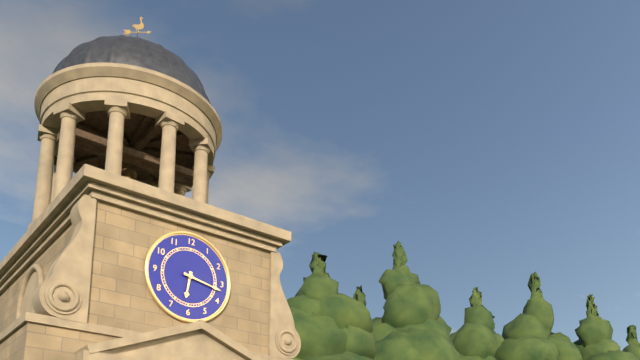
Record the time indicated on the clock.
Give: 6:17
